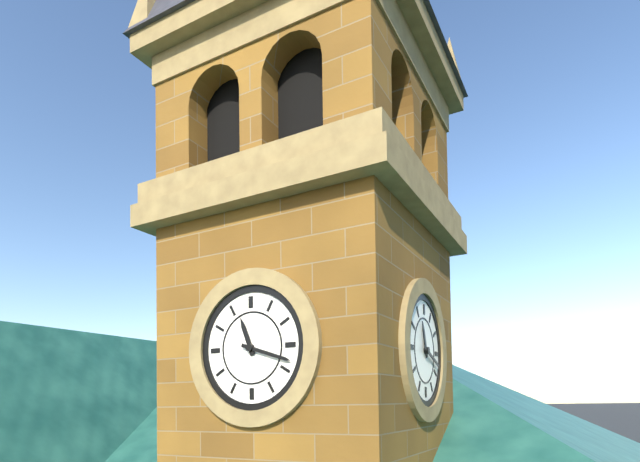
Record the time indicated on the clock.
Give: 11:18
